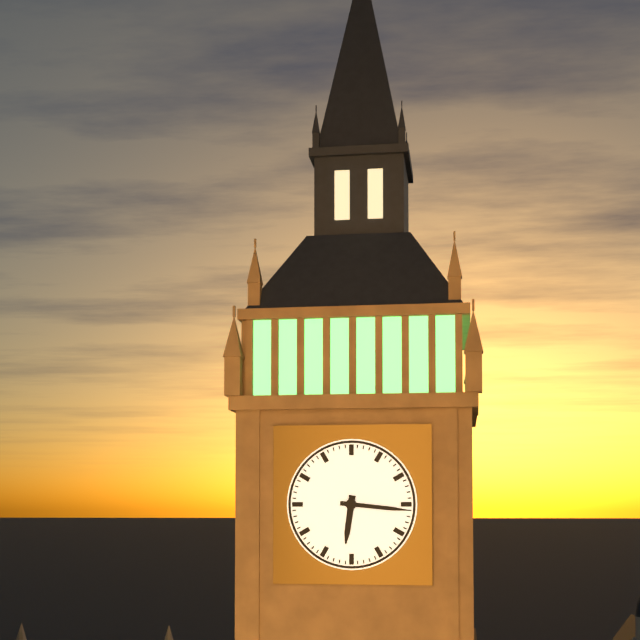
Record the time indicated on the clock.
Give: 6:16
